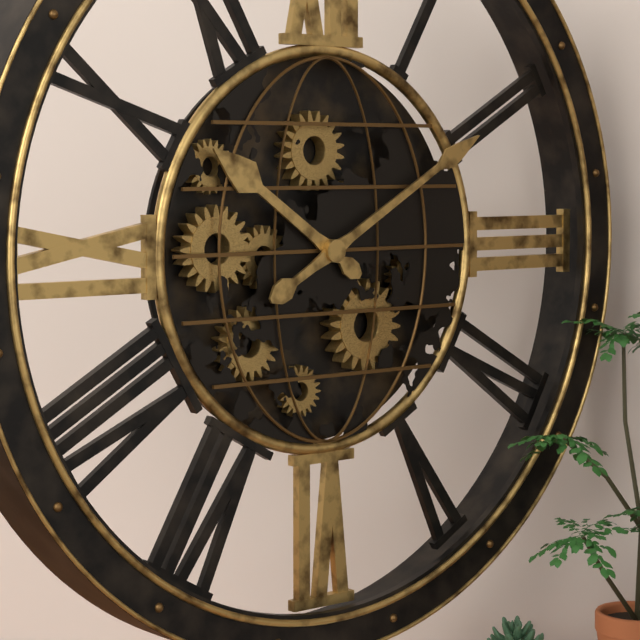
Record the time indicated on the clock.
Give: 10:10
